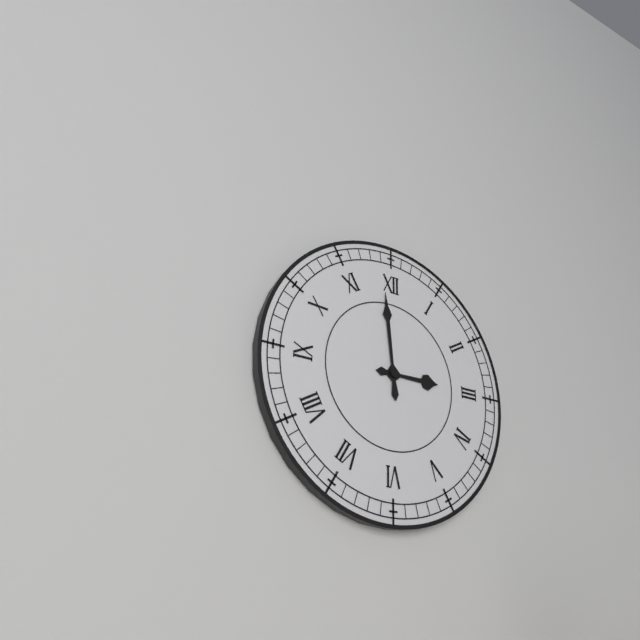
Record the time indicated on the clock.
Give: 2:59
